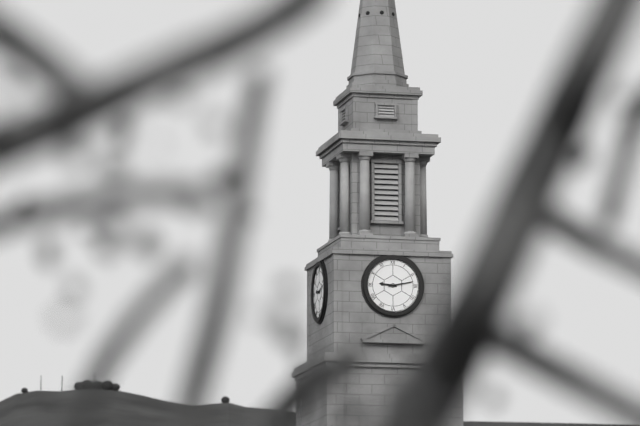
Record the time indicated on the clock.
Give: 9:13
